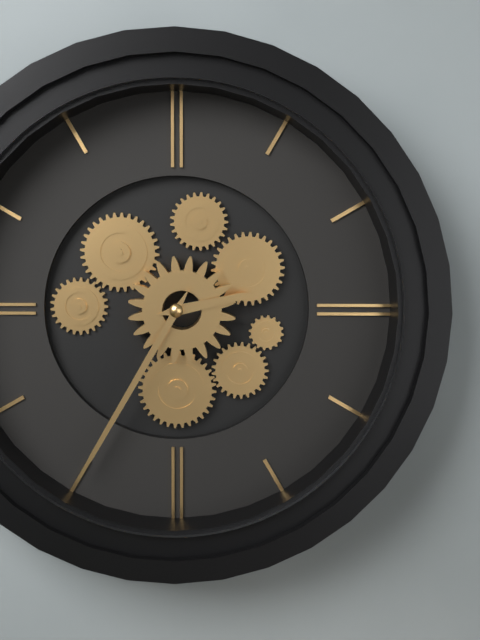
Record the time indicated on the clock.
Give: 2:35
